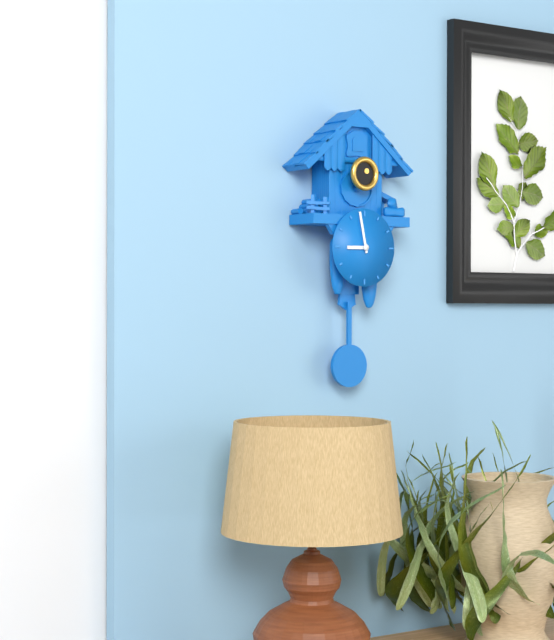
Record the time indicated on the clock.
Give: 8:58
